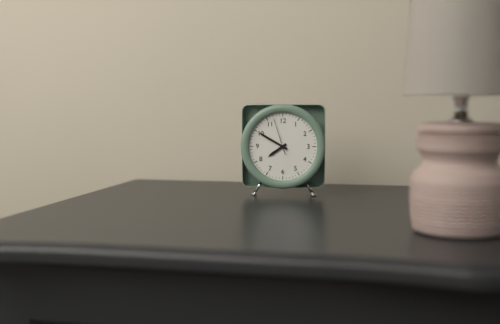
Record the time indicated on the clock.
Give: 7:50
